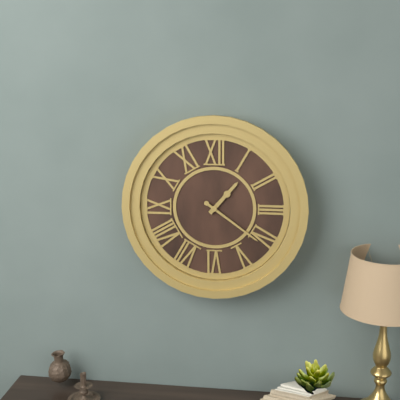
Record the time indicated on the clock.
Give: 1:21
